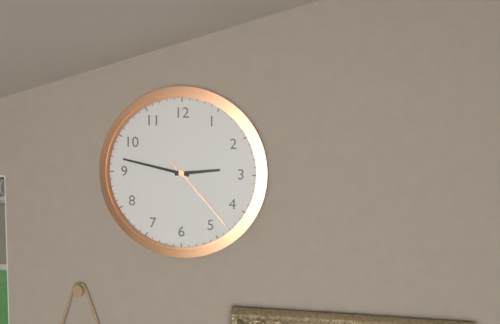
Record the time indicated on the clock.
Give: 2:47:23
